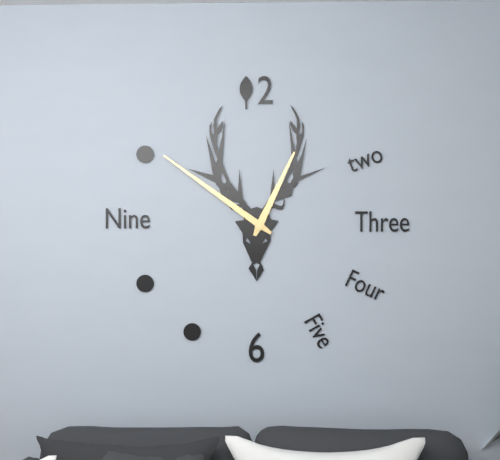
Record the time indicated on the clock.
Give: 12:51
